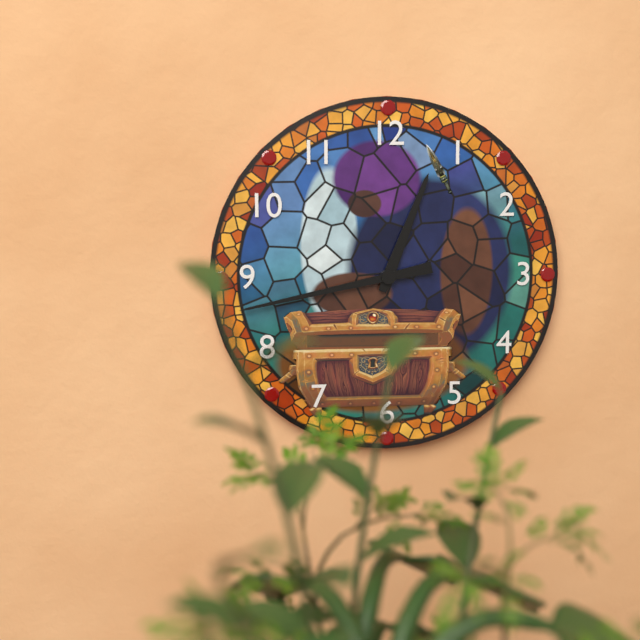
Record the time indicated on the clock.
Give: 12:43
